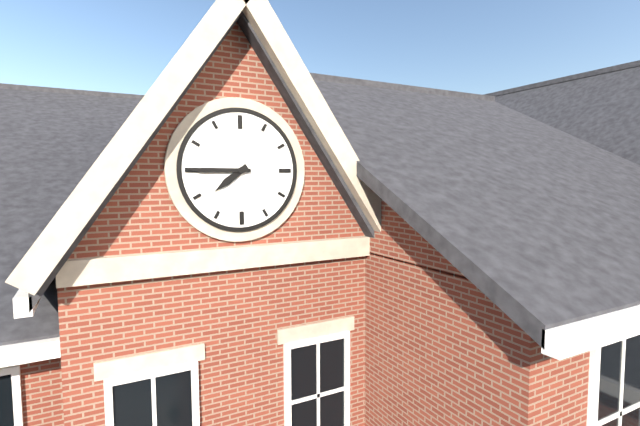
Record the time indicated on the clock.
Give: 7:45
